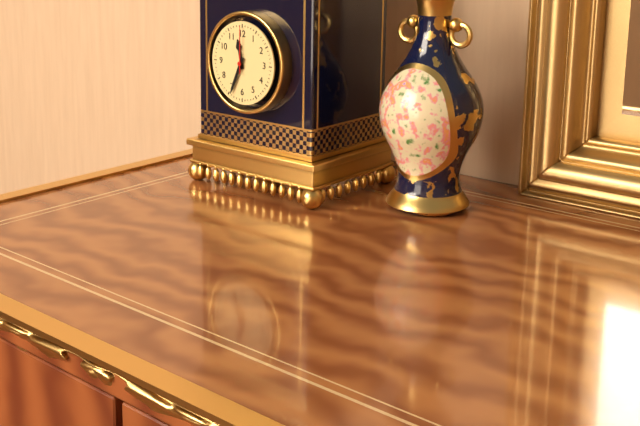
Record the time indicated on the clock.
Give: 11:34
